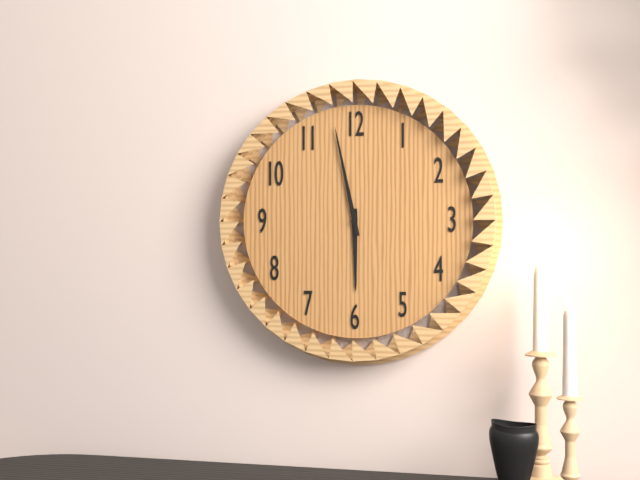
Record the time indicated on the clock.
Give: 5:58
